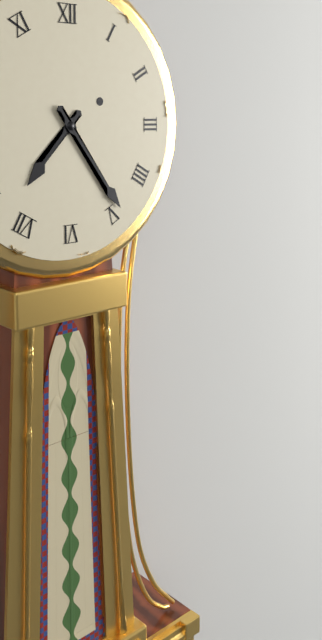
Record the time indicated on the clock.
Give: 7:24
